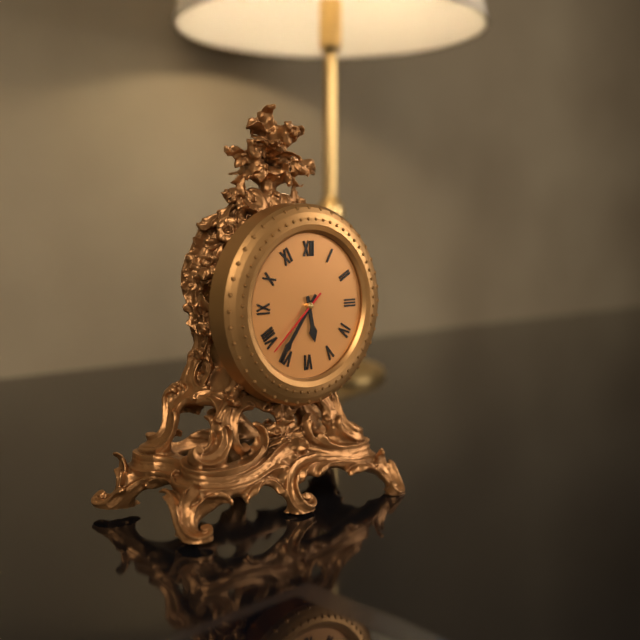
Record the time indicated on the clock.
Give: 5:36:38
